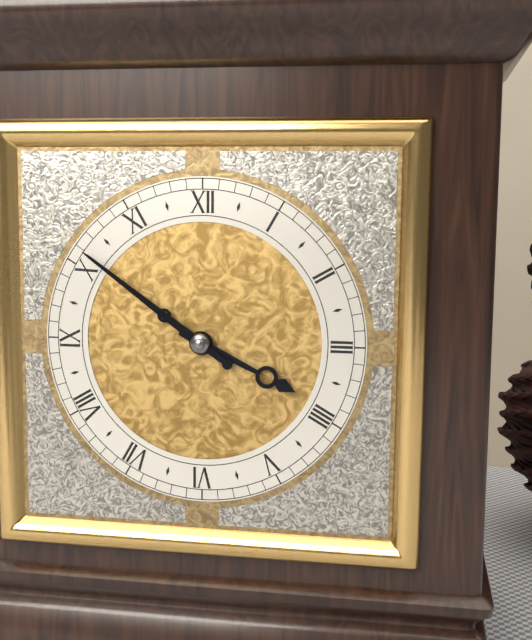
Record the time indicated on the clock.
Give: 3:51
